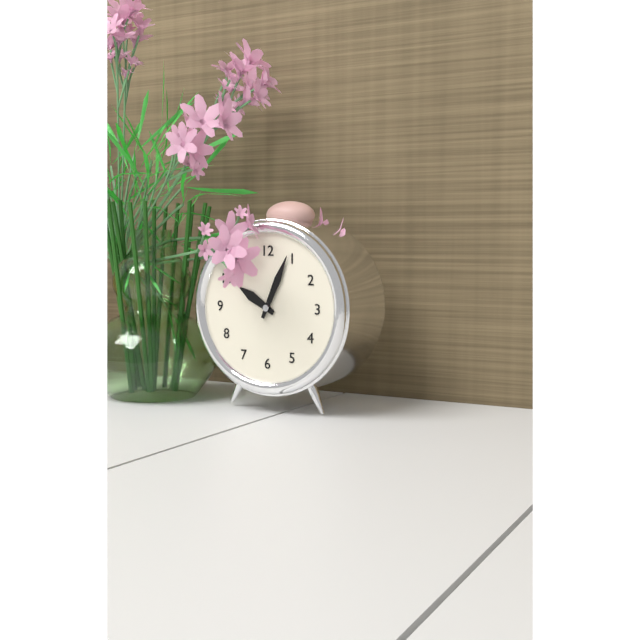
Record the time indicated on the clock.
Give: 10:04
